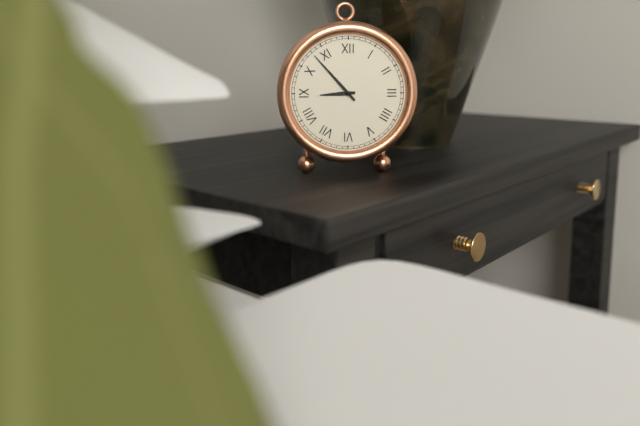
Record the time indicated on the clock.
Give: 8:53
